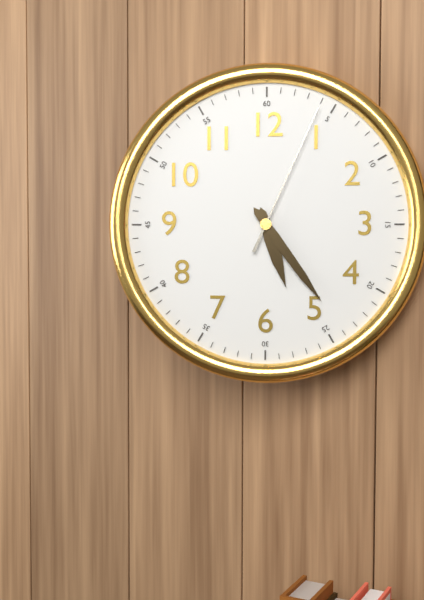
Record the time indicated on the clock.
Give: 5:24:04
